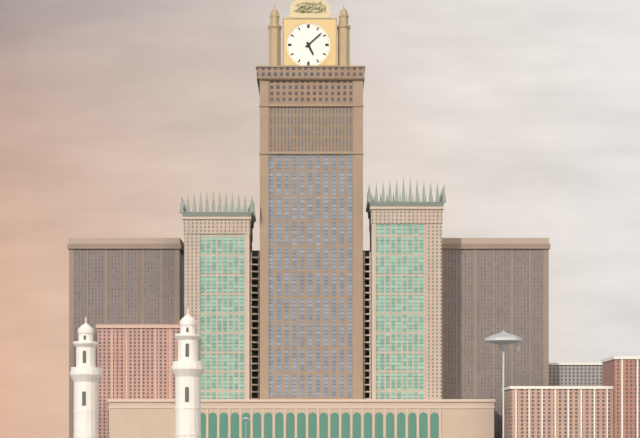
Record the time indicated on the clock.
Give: 5:08
